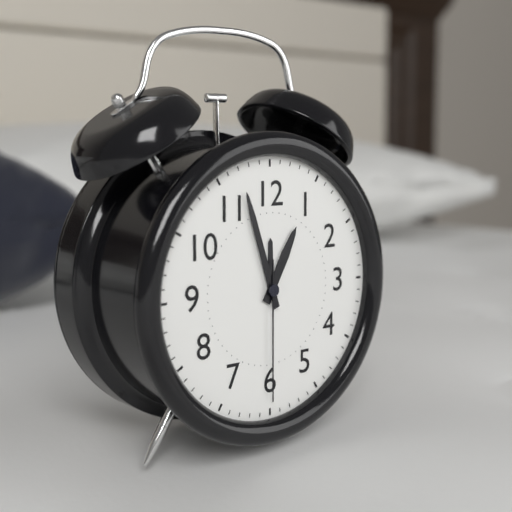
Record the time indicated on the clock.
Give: 12:57:30
